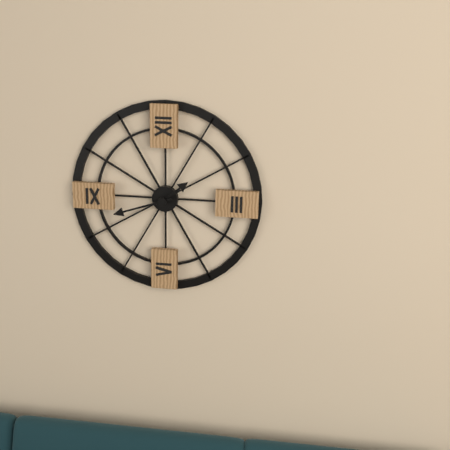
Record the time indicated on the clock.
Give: 1:42
